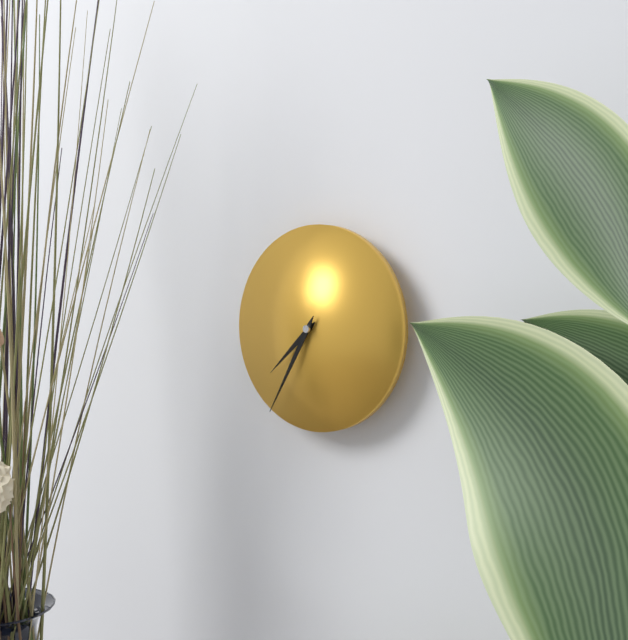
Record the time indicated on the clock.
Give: 7:35
